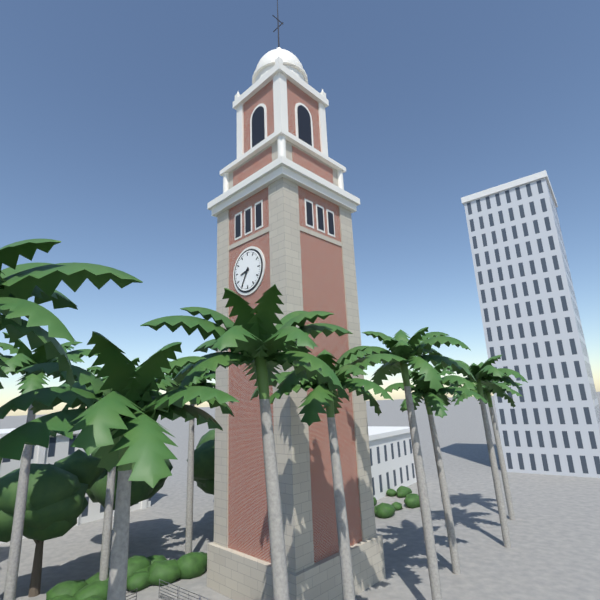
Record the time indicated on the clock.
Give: 8:35
